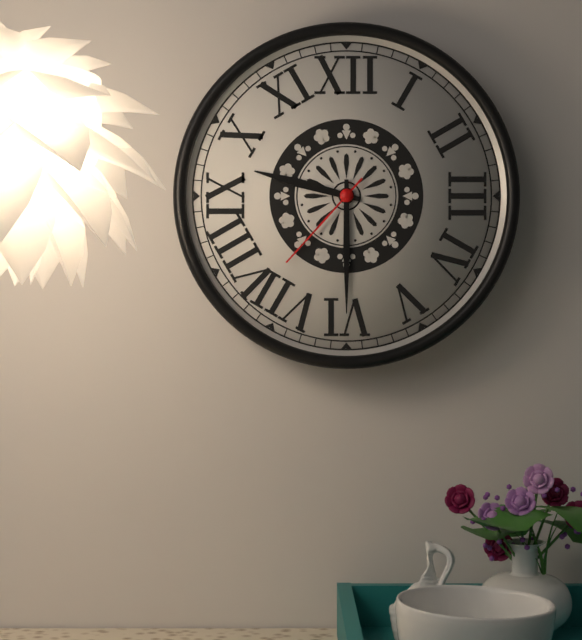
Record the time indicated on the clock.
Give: 9:30:37
